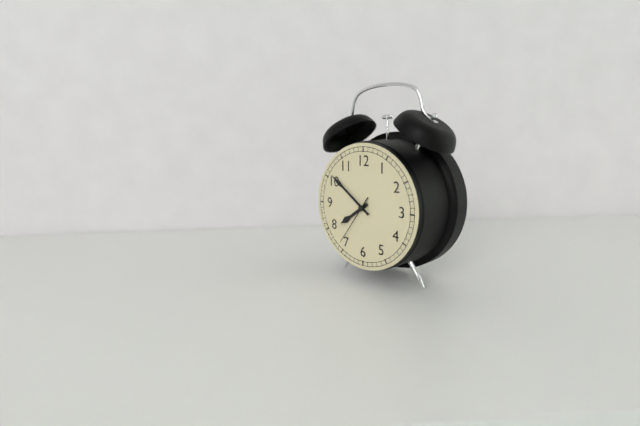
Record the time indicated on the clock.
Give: 7:51:36
